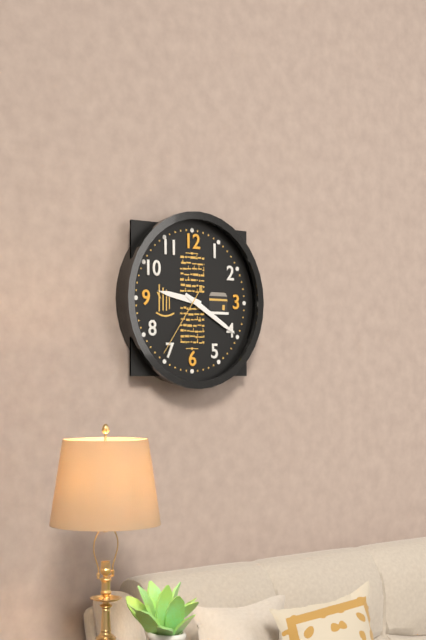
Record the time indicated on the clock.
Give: 9:20:36
